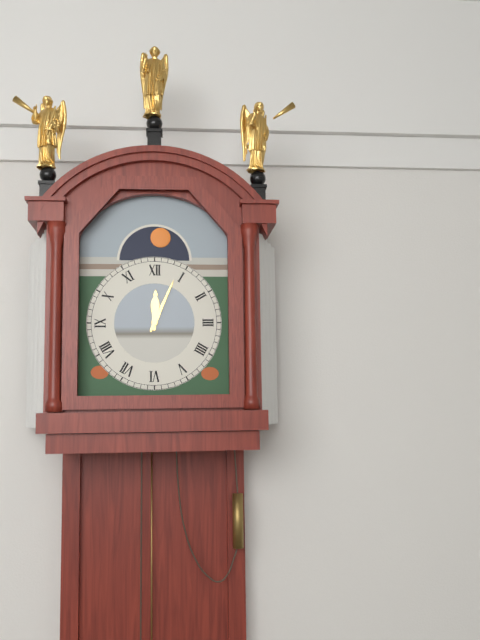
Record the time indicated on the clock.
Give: 12:04
